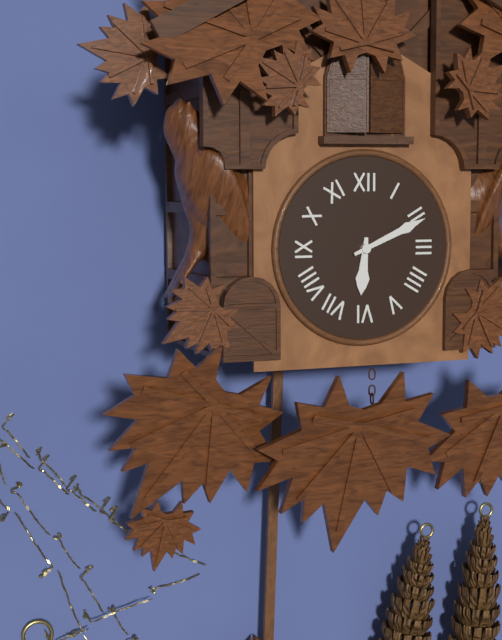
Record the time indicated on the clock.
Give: 6:11
